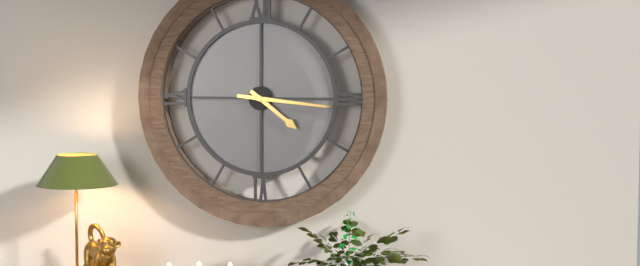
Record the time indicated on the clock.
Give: 4:16
